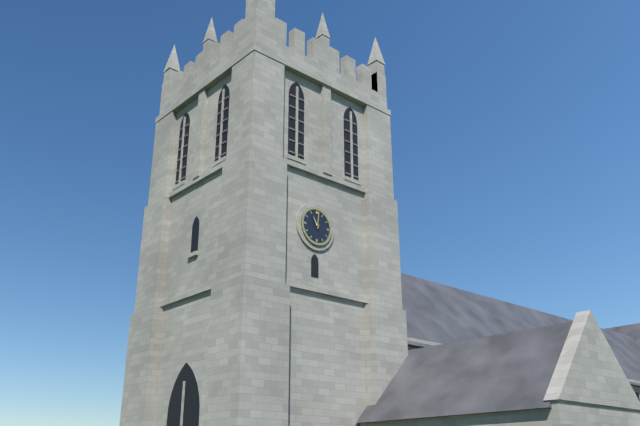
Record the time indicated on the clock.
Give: 11:01
